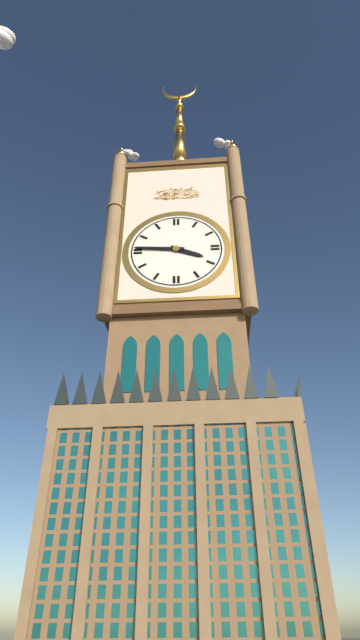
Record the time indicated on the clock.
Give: 3:46
